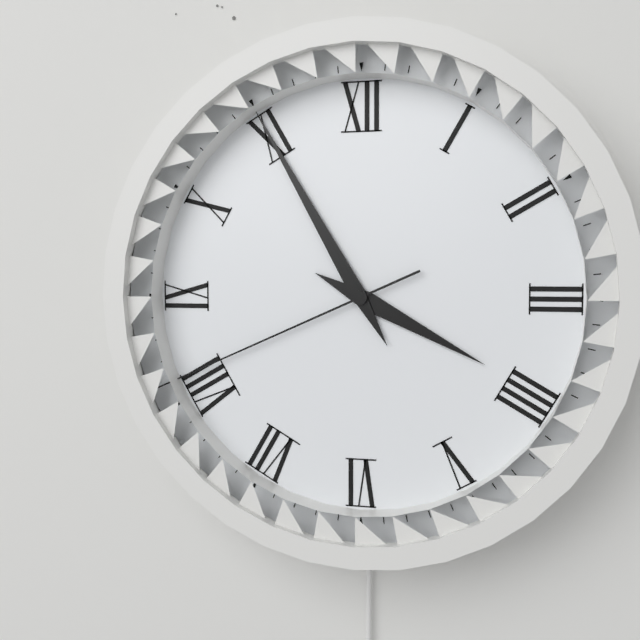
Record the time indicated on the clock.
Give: 3:55:41
